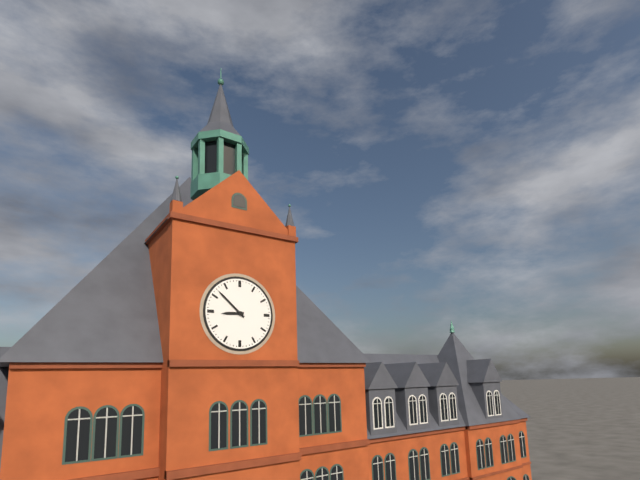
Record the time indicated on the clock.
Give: 8:52
